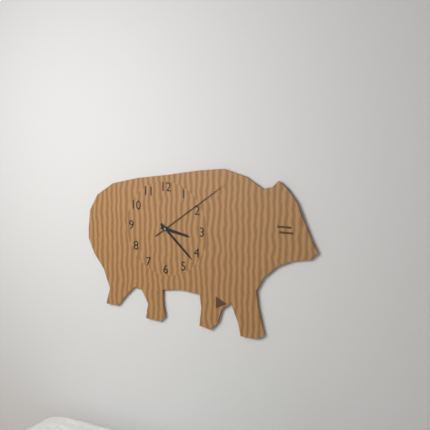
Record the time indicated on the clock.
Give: 3:22:09
